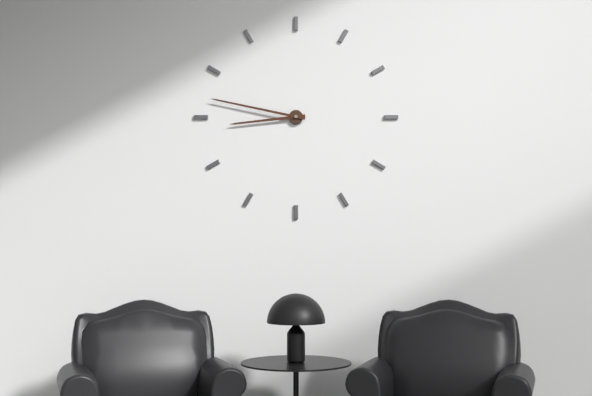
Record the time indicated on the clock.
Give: 8:47
